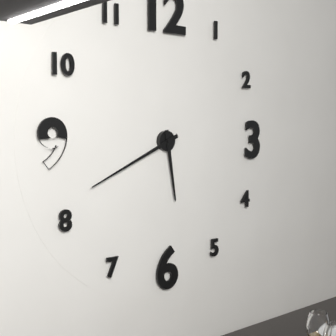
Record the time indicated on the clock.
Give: 5:41
